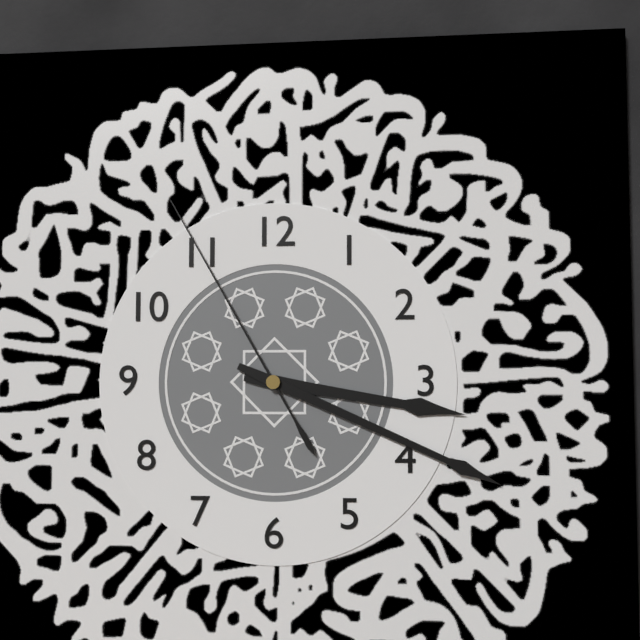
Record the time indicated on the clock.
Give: 3:19:55
